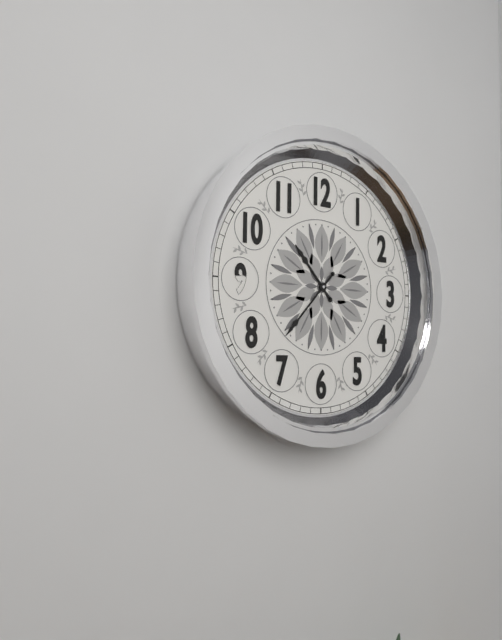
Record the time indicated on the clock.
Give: 10:37
